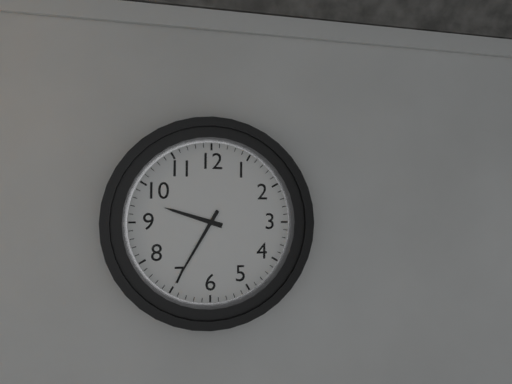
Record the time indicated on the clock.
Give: 9:35
